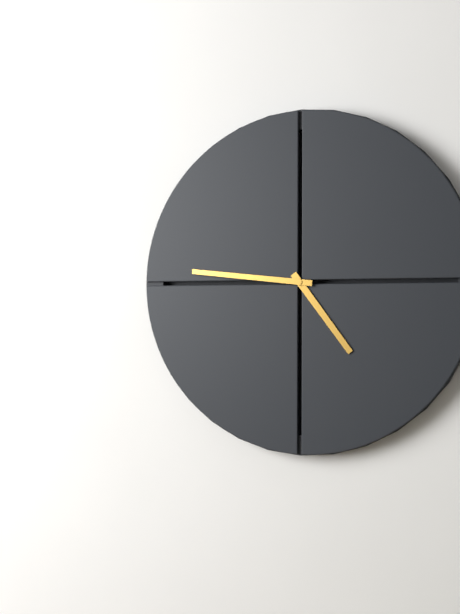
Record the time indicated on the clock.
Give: 4:46
